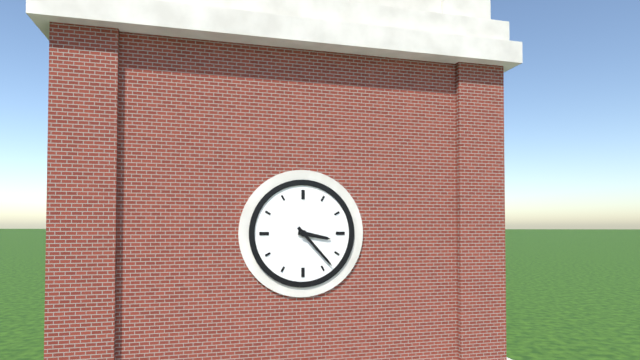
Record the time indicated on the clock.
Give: 3:23
